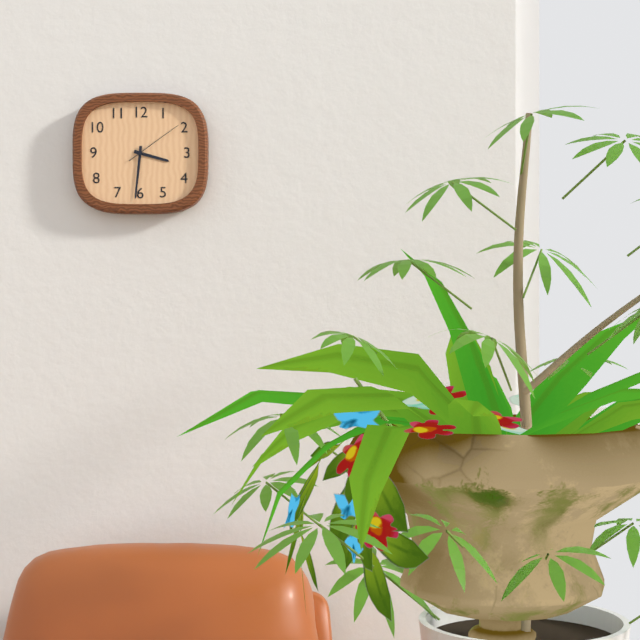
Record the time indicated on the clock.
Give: 3:31:09
